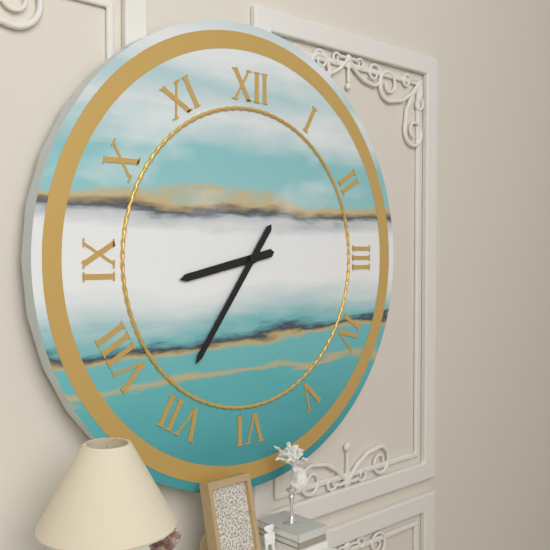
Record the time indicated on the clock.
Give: 8:36
